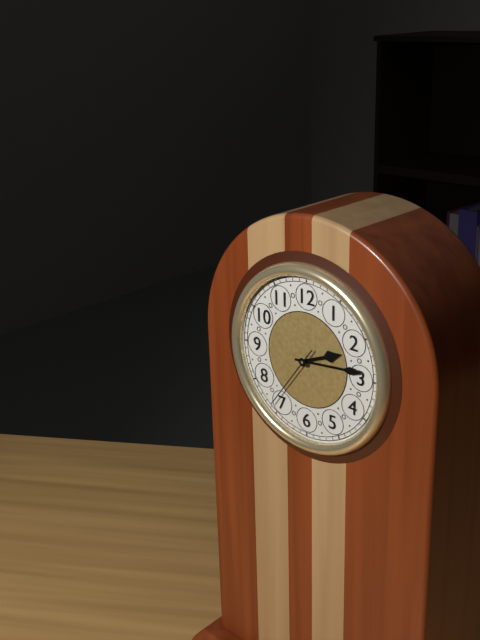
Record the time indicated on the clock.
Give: 2:14:36
